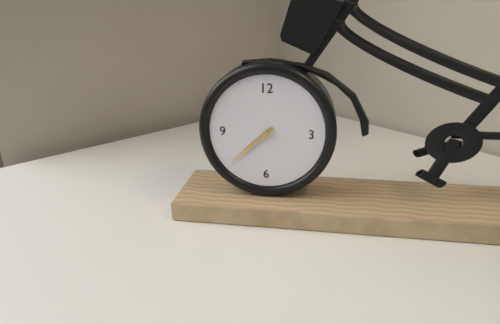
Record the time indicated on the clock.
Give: 7:38
